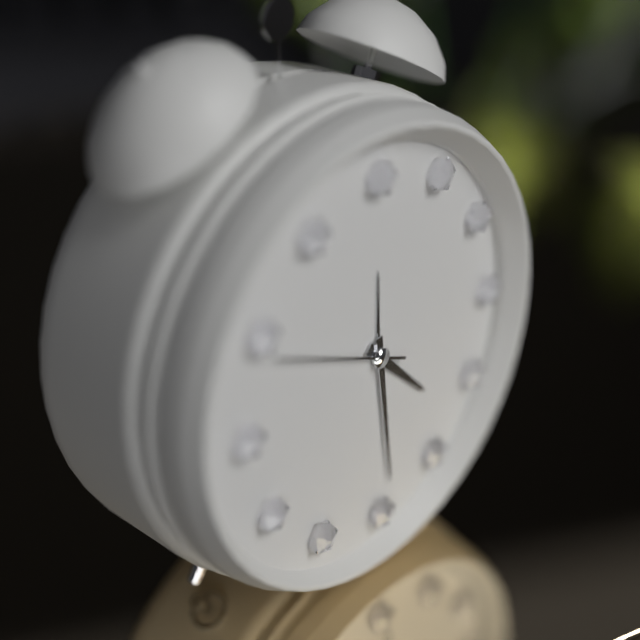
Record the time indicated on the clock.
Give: 4:29:49
